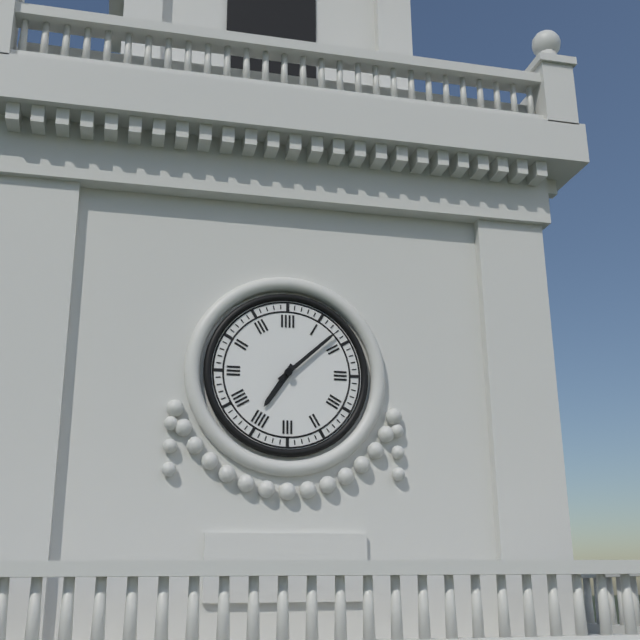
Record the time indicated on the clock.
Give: 7:08
